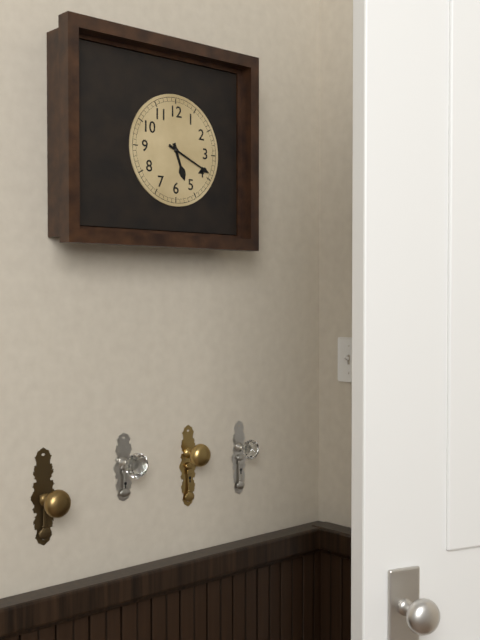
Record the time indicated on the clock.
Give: 5:19
